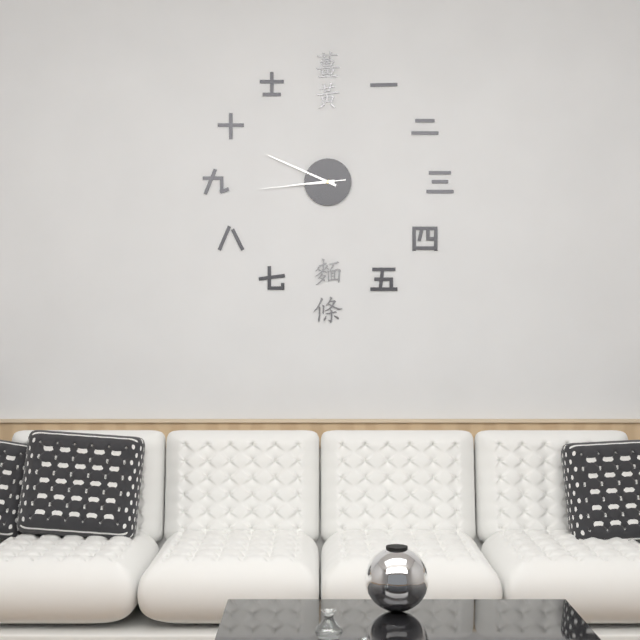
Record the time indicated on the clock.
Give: 8:49:44
